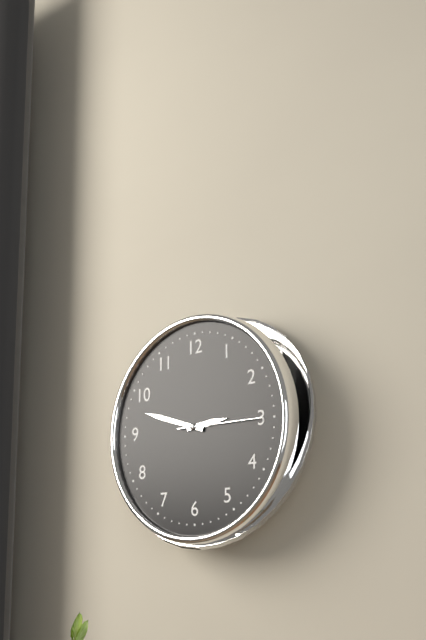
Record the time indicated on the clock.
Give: 2:48:15
